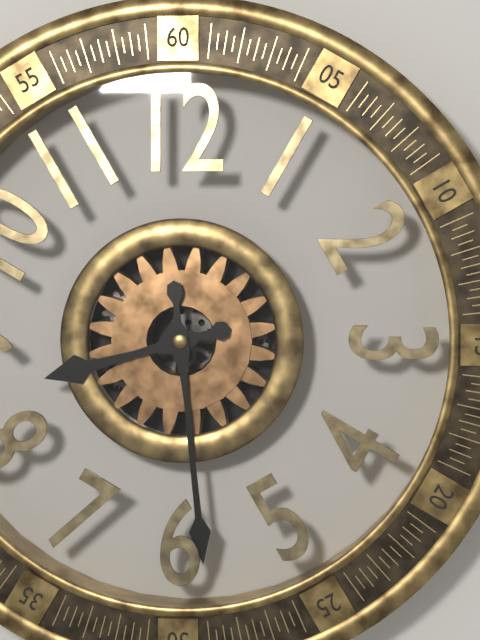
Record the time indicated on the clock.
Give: 8:29
